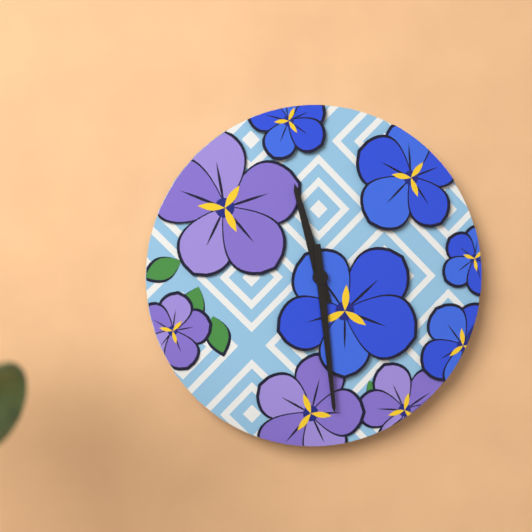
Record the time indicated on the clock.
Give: 11:29
